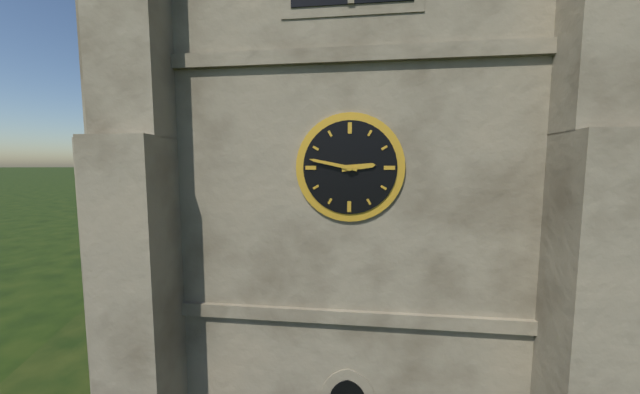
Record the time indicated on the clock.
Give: 2:47
